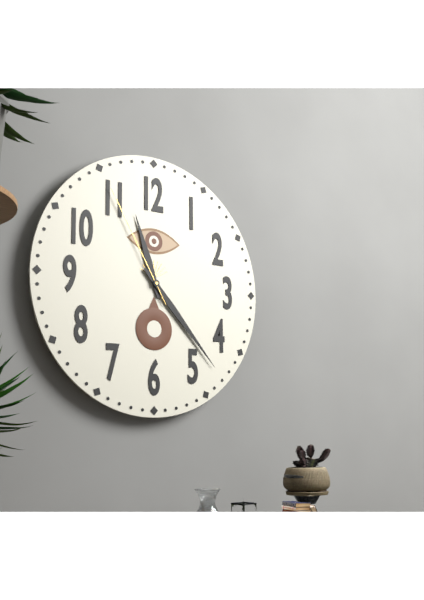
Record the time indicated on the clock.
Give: 11:23:55
